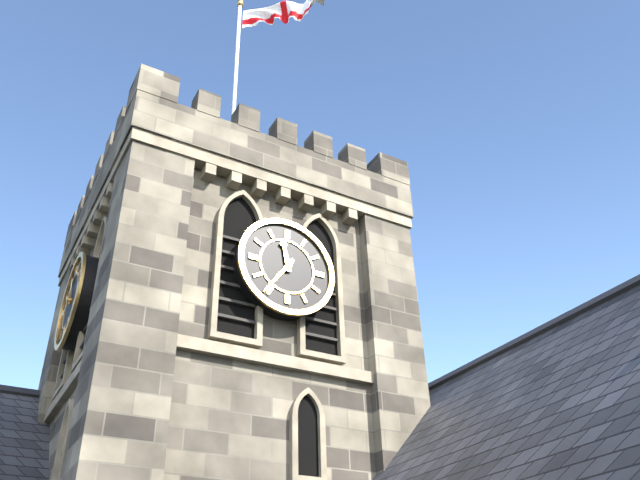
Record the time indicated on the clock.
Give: 11:36
